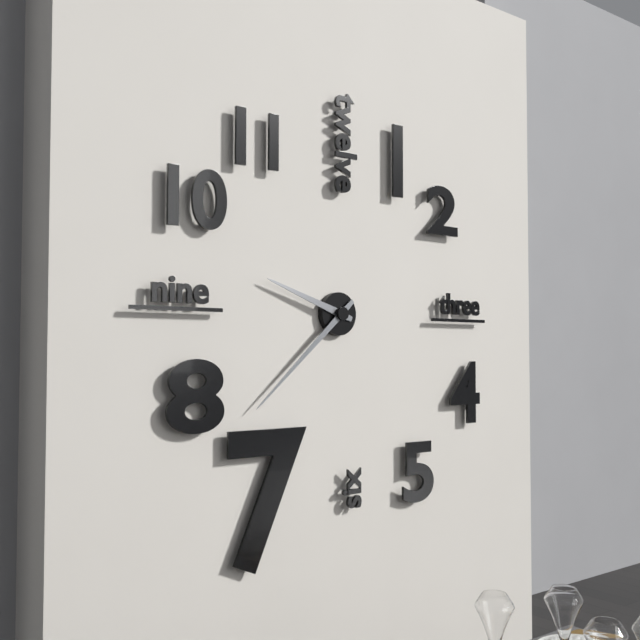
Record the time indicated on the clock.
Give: 9:38
